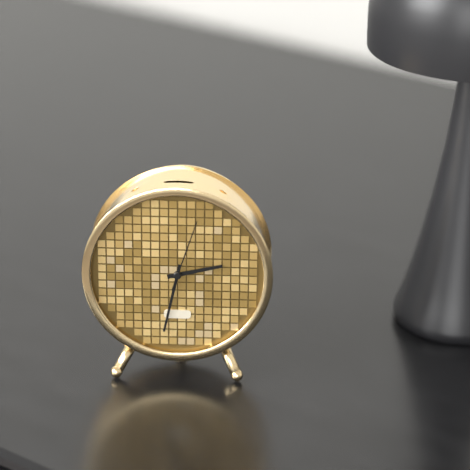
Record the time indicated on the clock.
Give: 2:32:03
